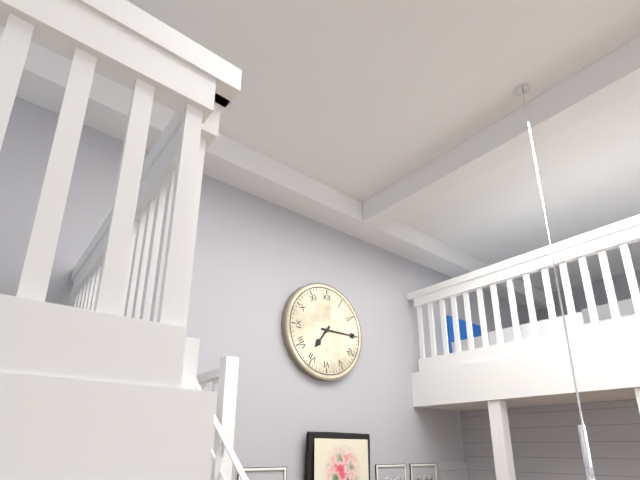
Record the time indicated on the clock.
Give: 7:15
